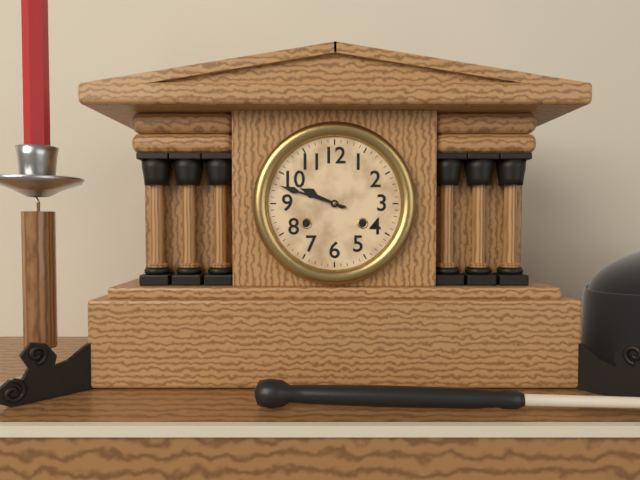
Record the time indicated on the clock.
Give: 9:48
